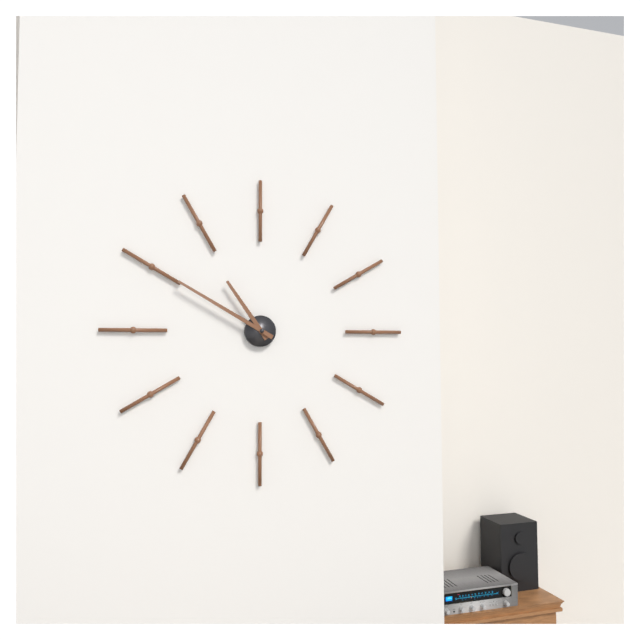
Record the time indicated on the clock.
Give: 10:50
